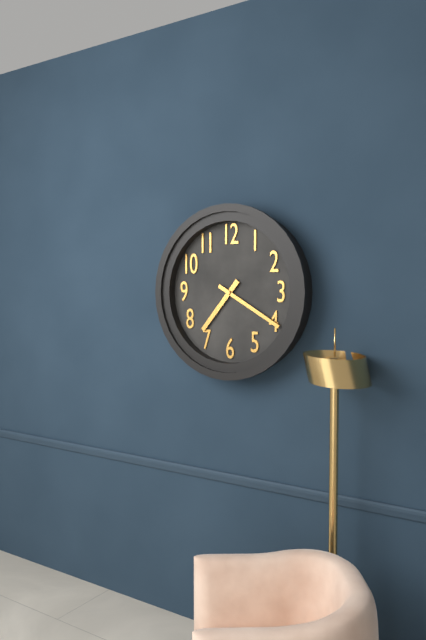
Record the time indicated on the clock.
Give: 7:20
